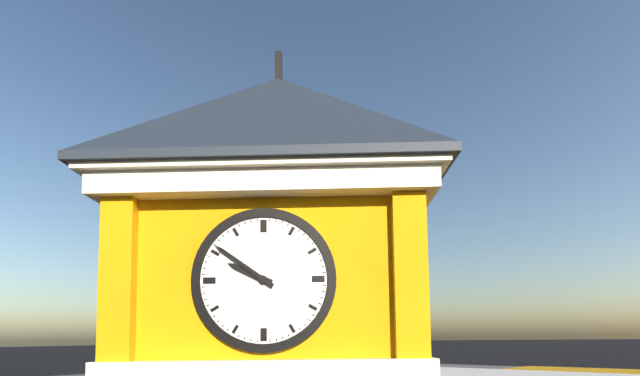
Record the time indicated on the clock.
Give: 9:51
